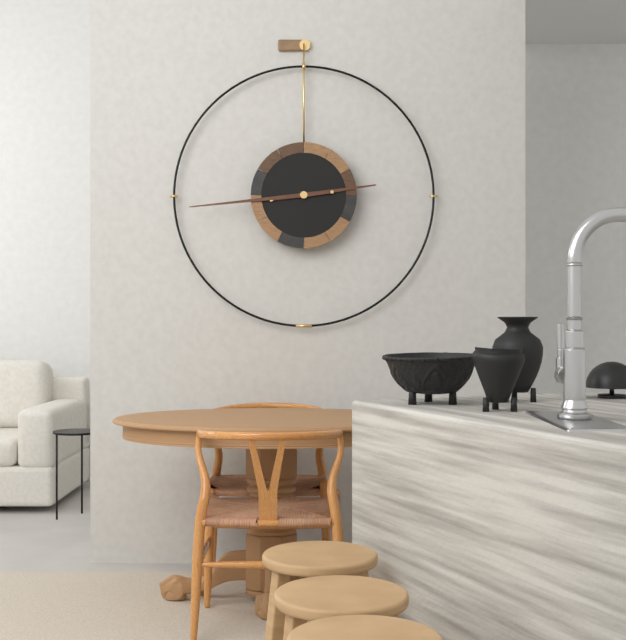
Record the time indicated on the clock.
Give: 2:44
